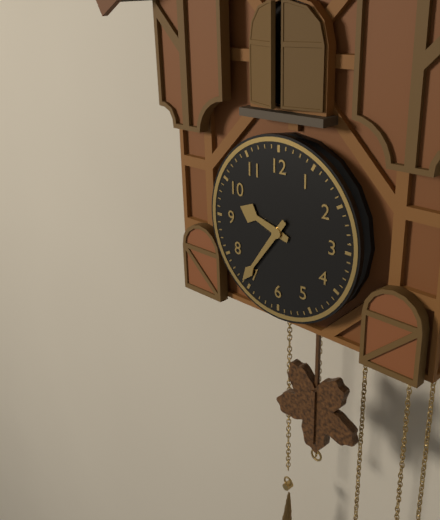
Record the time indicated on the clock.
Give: 9:36
